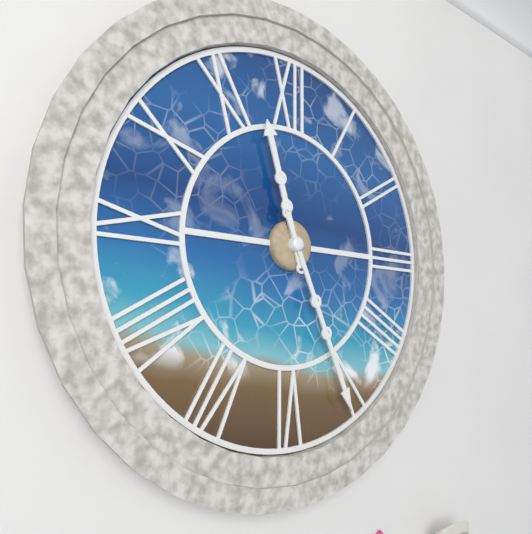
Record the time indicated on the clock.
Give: 11:26
